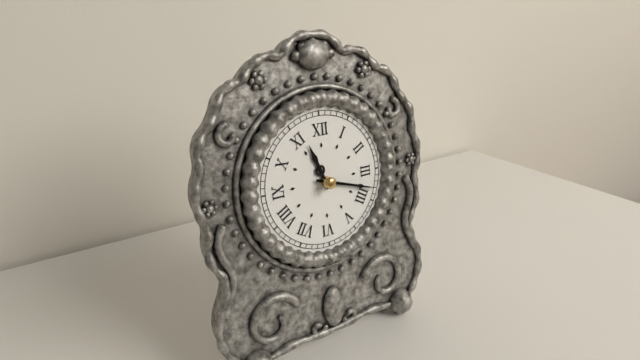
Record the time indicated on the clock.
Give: 11:18
